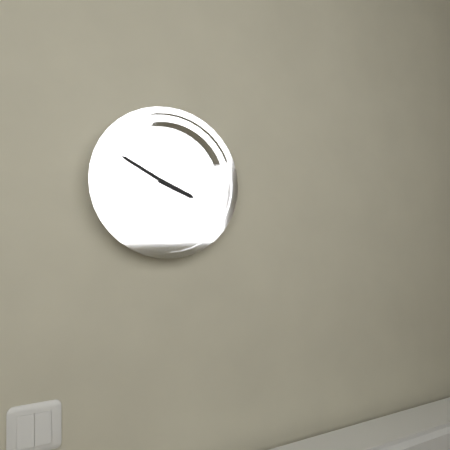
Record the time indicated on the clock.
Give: 3:50
